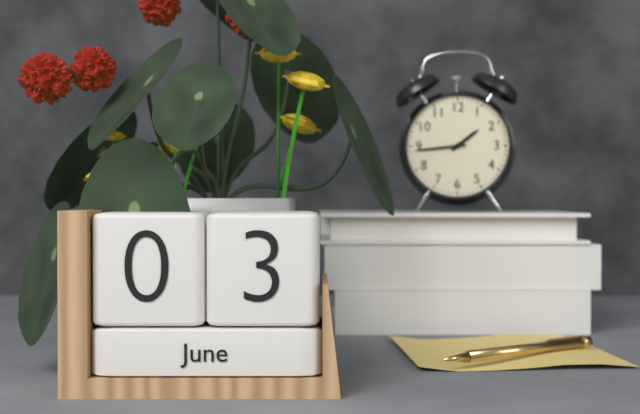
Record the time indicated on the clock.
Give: 1:44
